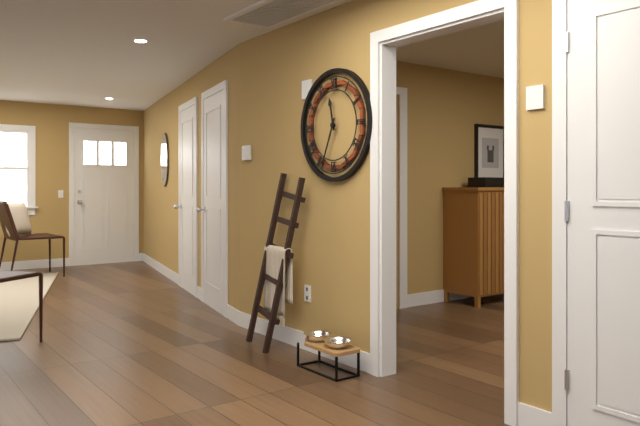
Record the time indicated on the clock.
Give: 11:34
